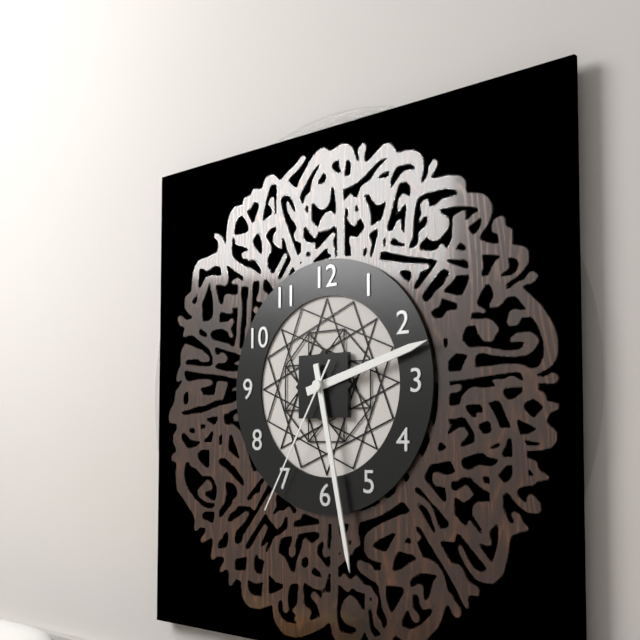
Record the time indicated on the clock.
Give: 2:28:35
